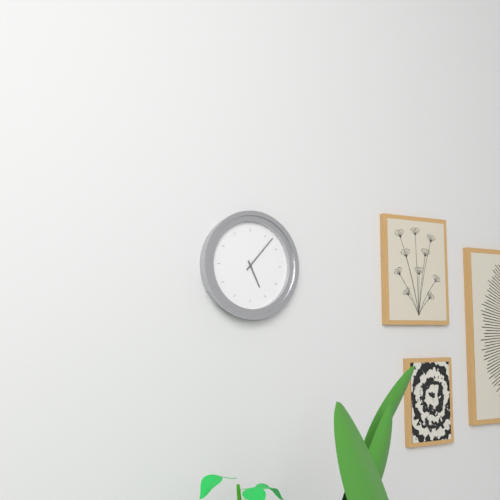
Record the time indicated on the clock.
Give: 5:07
